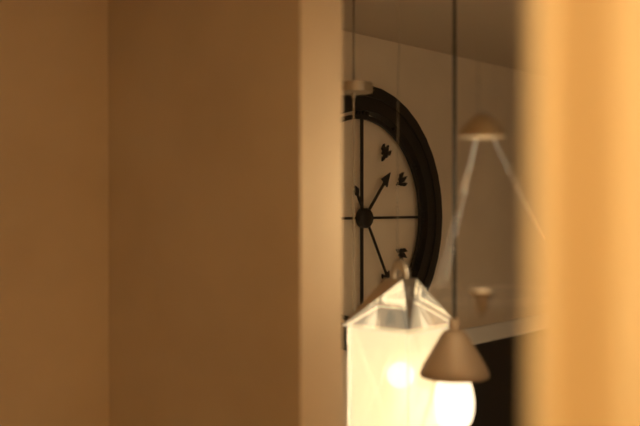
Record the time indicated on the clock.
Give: 1:25
